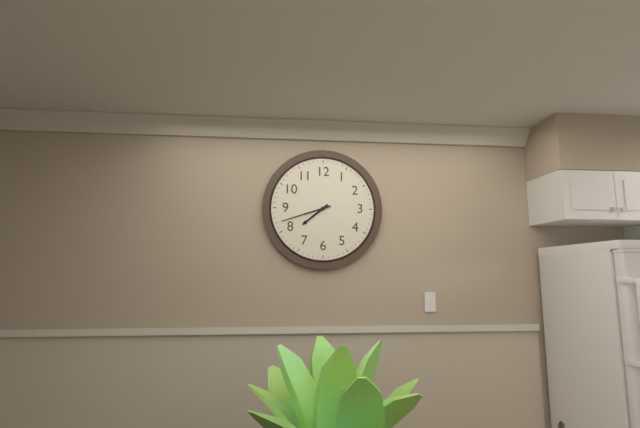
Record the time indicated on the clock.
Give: 7:42
